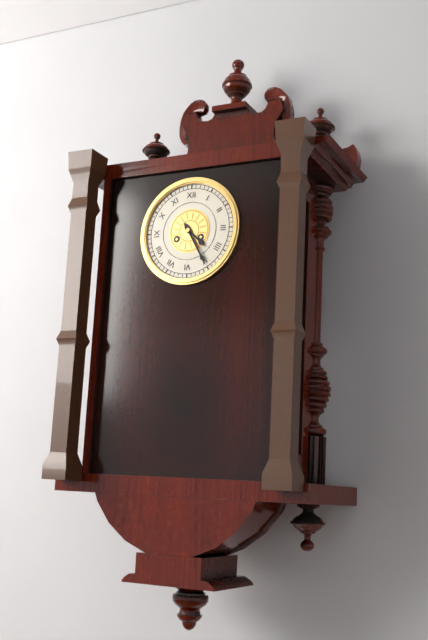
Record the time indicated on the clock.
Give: 4:25
